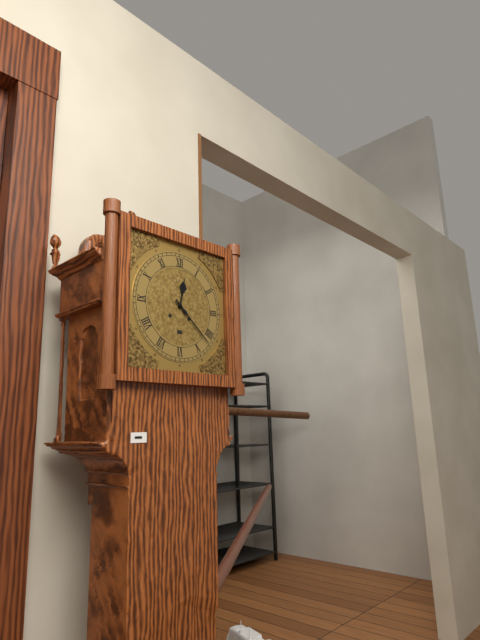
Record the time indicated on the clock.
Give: 12:22
